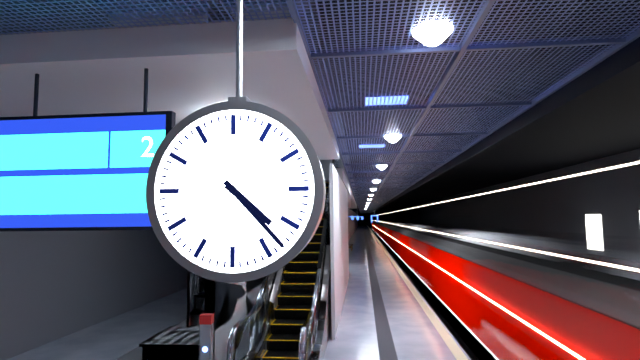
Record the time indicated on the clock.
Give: 4:23
